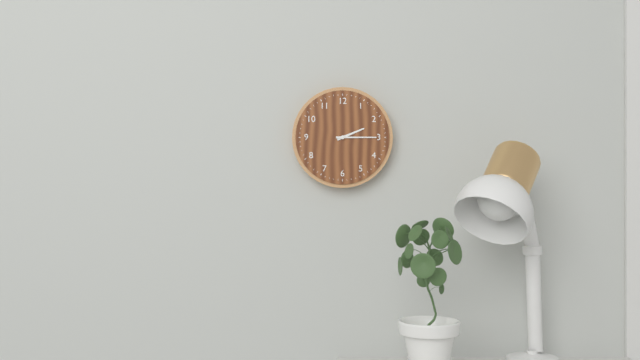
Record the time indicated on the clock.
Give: 2:15
